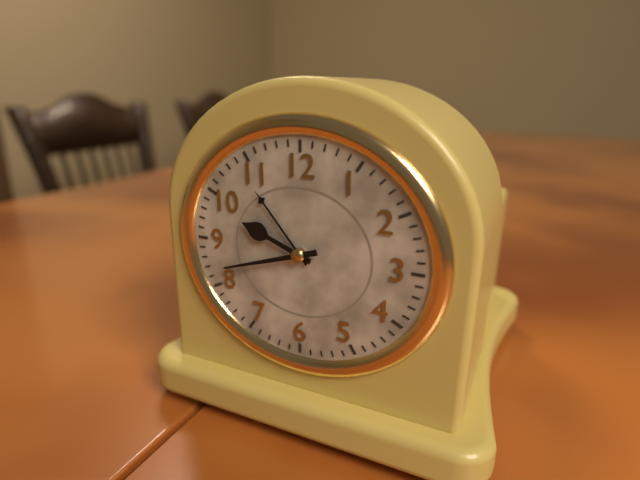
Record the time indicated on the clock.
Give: 9:42
